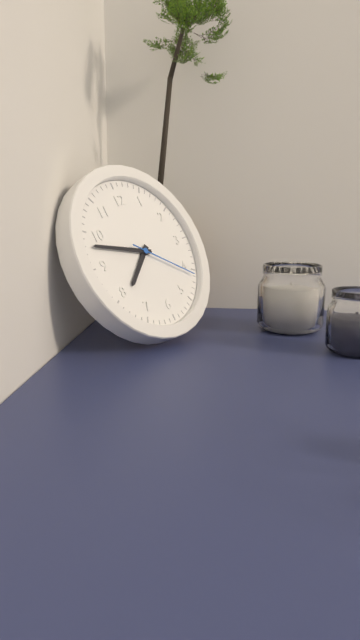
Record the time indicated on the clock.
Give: 7:48:21
